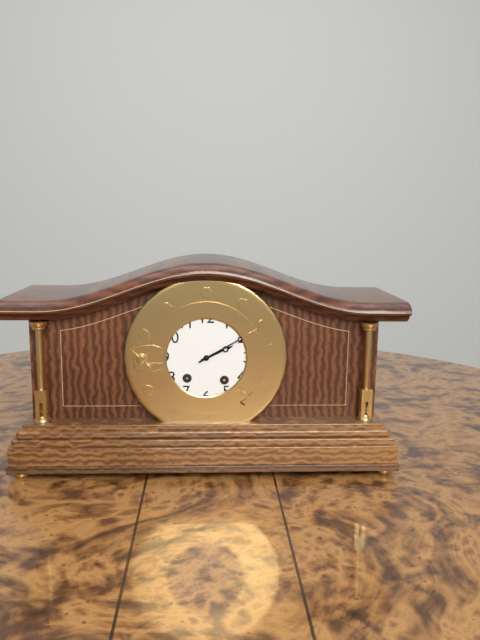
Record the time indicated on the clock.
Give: 2:10
